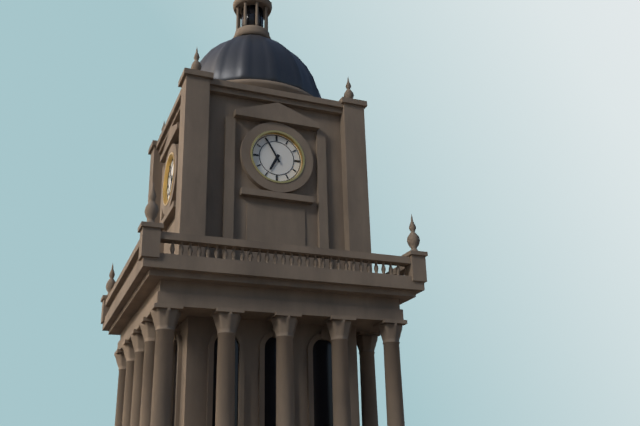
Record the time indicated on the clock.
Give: 6:55
